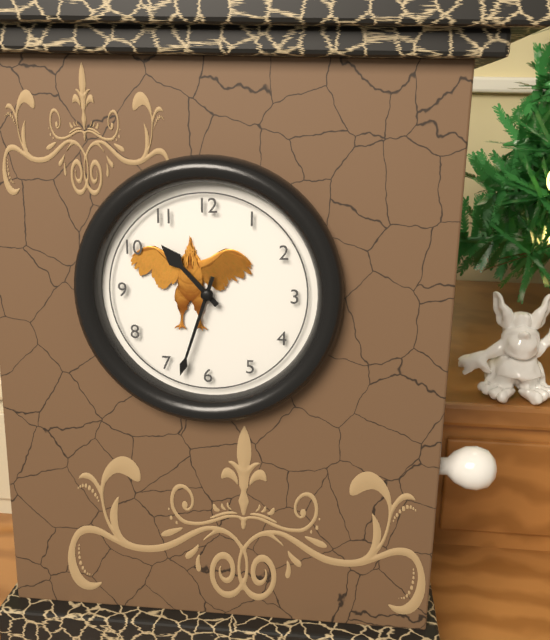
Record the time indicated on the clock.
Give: 10:33
